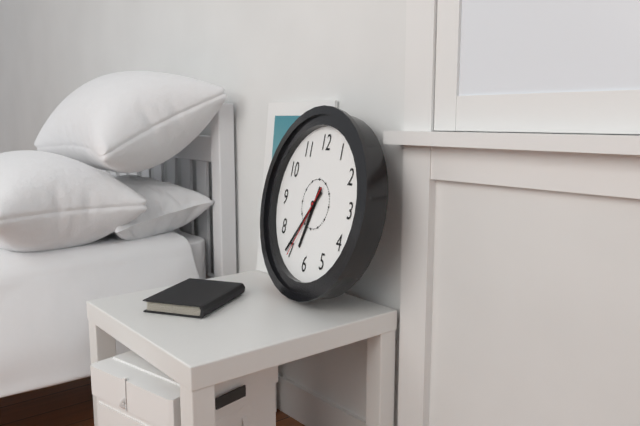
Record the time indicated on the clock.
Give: 6:36:35
